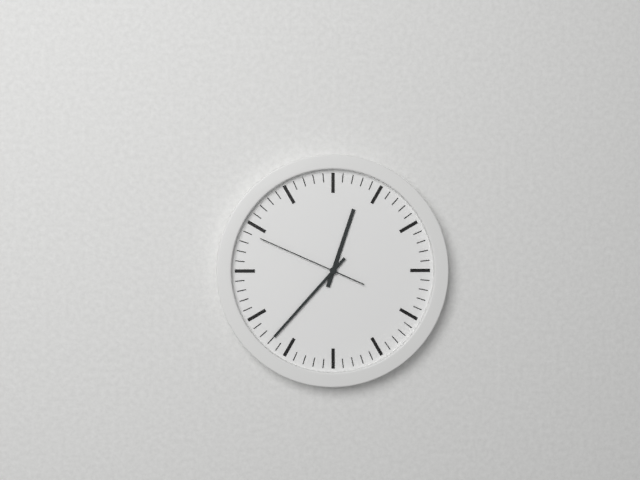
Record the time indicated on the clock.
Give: 12:37:49
